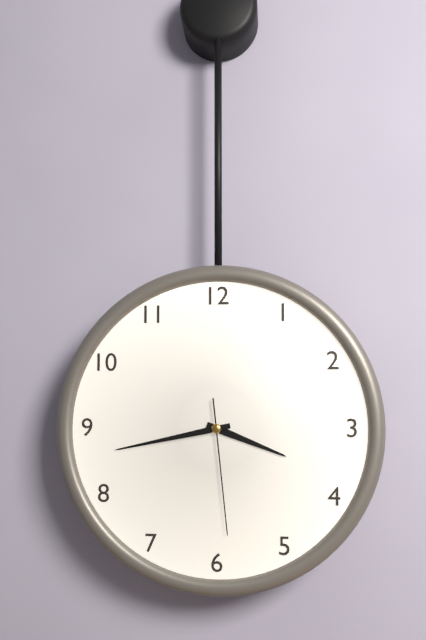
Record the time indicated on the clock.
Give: 3:43:29
